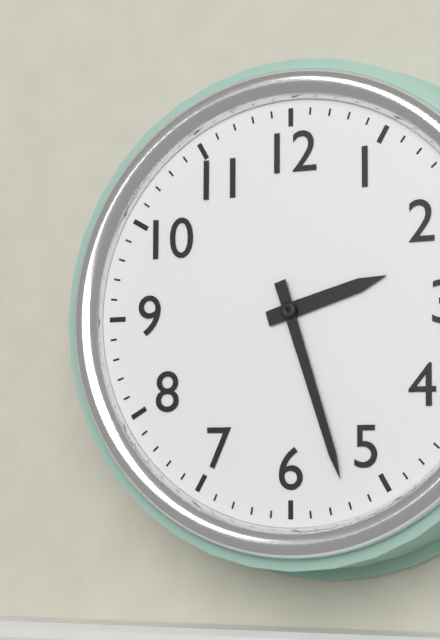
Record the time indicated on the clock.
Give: 2:27
